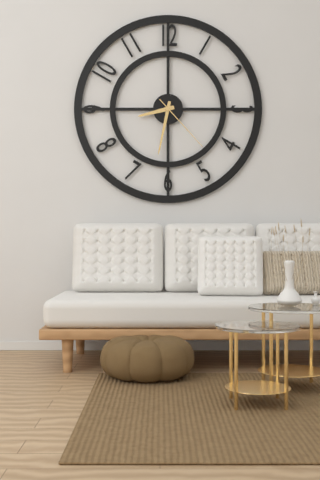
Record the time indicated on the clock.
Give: 8:32:23
